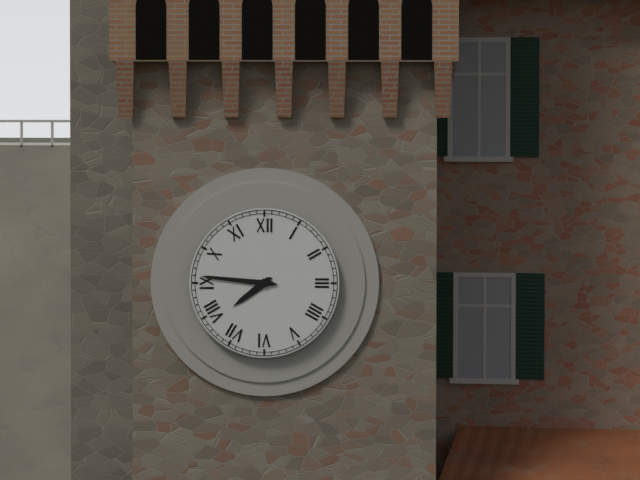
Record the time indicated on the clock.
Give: 7:46
